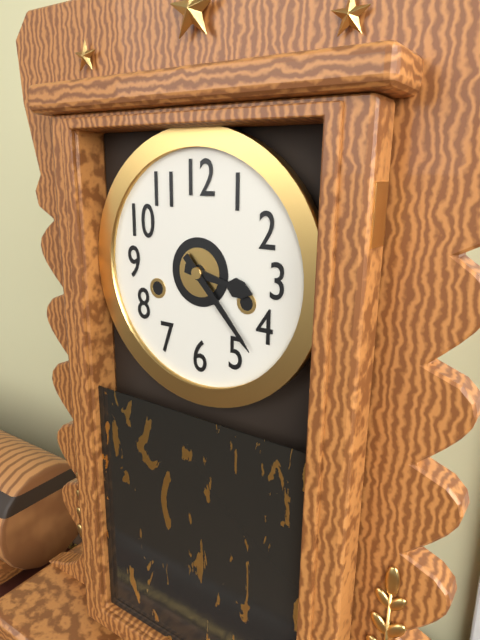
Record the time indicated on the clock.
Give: 3:23
